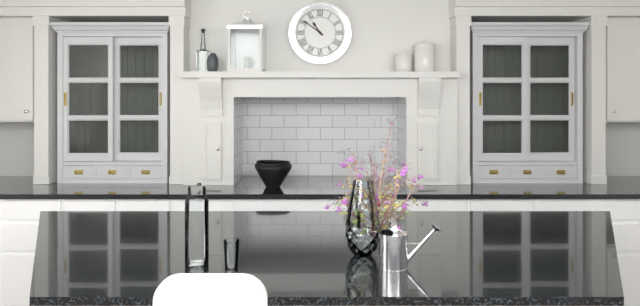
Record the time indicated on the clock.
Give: 10:51
